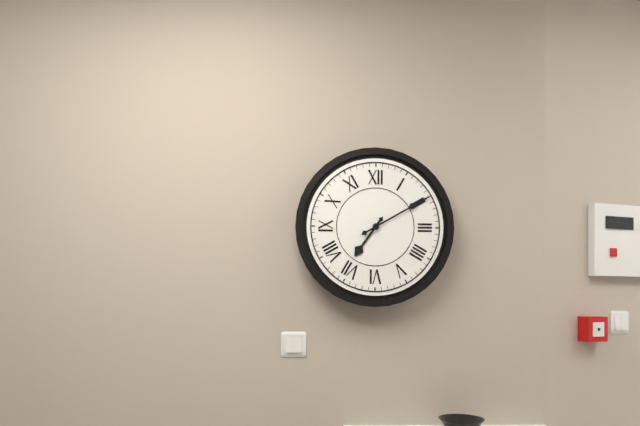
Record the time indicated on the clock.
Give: 7:10
